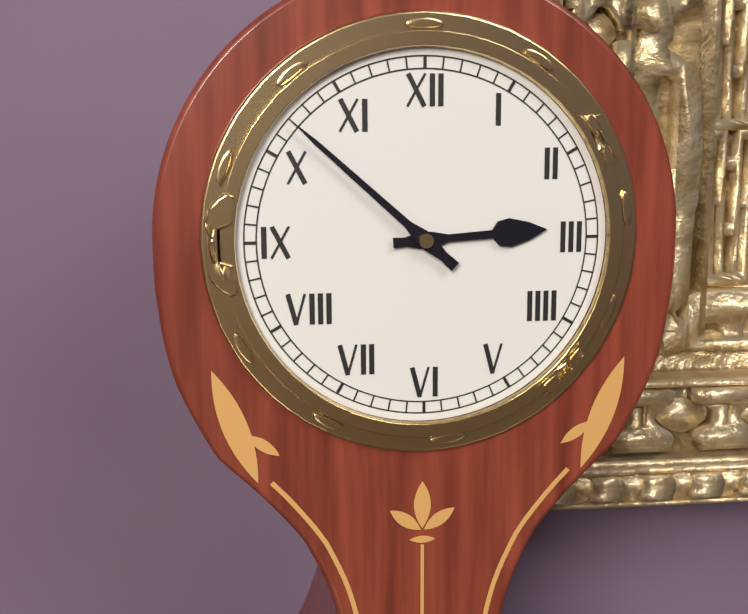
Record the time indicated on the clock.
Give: 2:52
